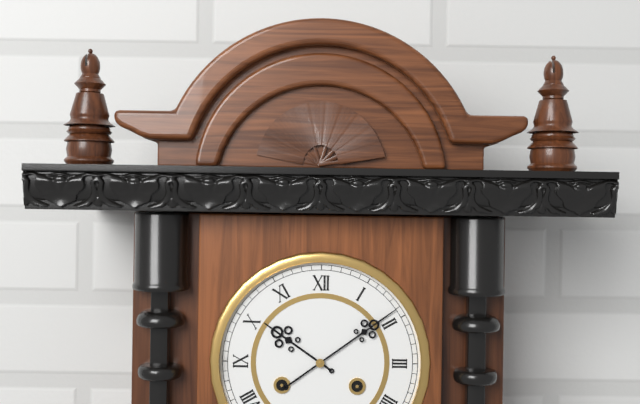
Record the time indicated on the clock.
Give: 10:09
